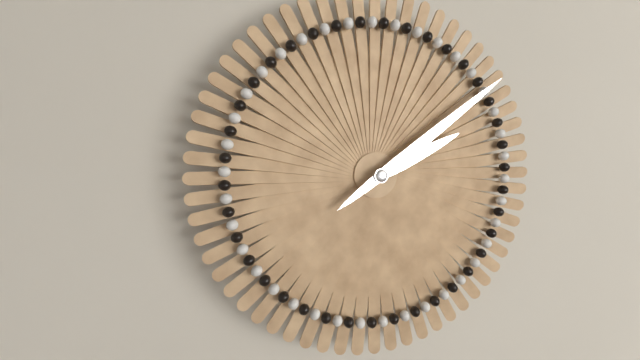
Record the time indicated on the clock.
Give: 2:09
